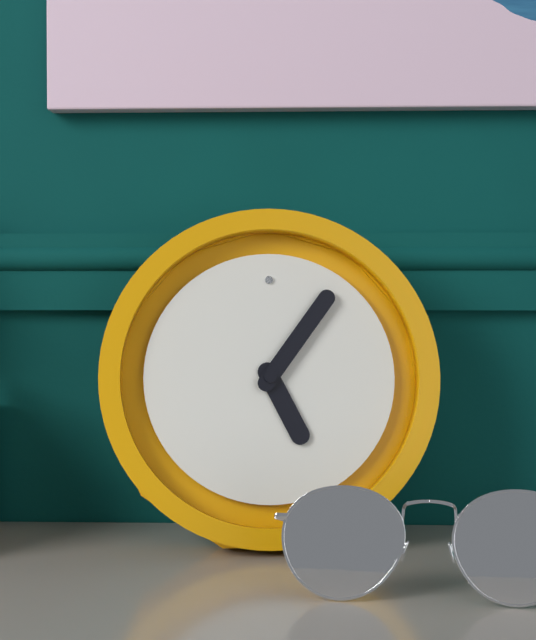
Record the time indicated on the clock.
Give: 5:06
